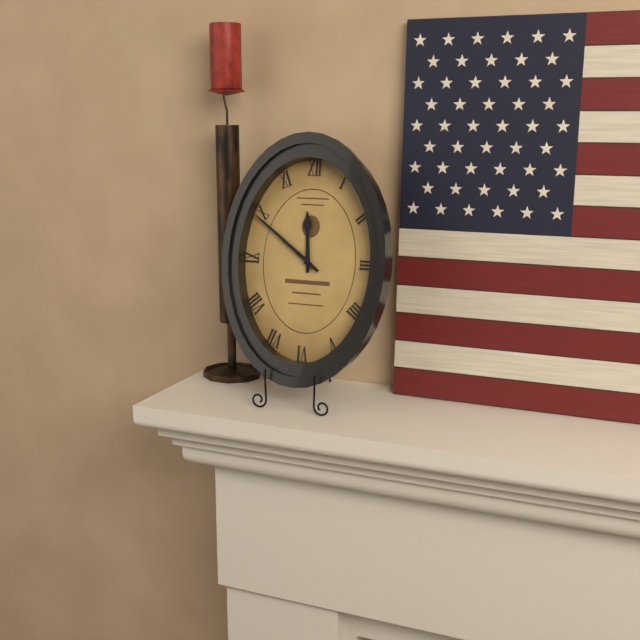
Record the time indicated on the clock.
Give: 11:51
